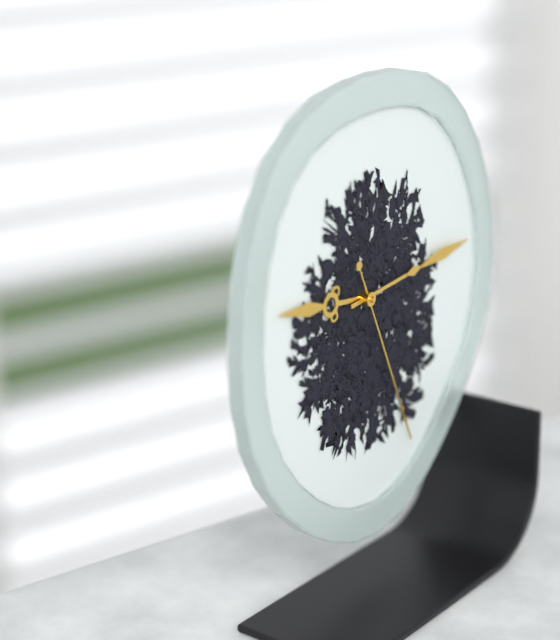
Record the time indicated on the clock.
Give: 9:14:26
